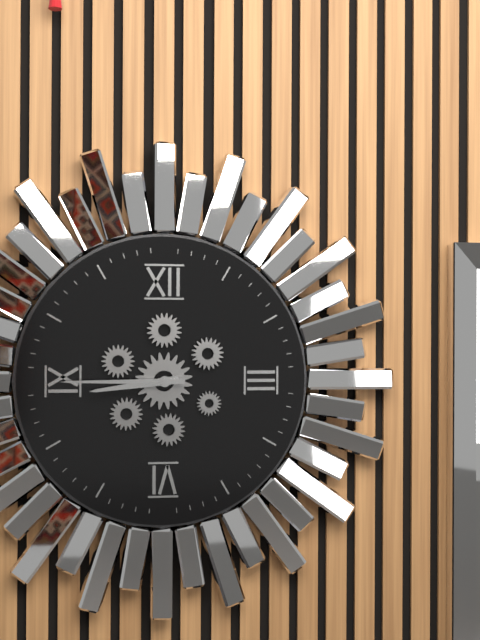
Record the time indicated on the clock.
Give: 8:45
